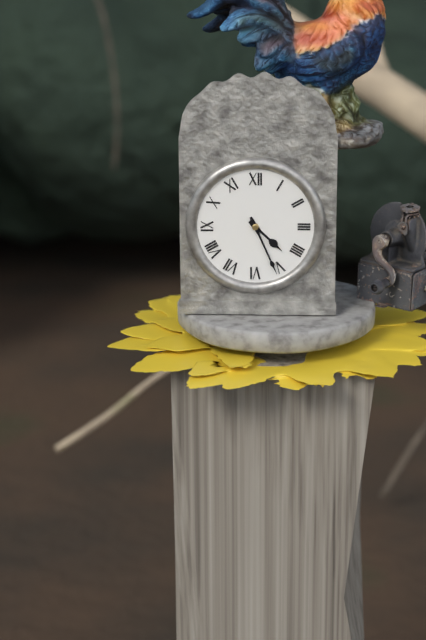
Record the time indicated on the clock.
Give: 4:26
